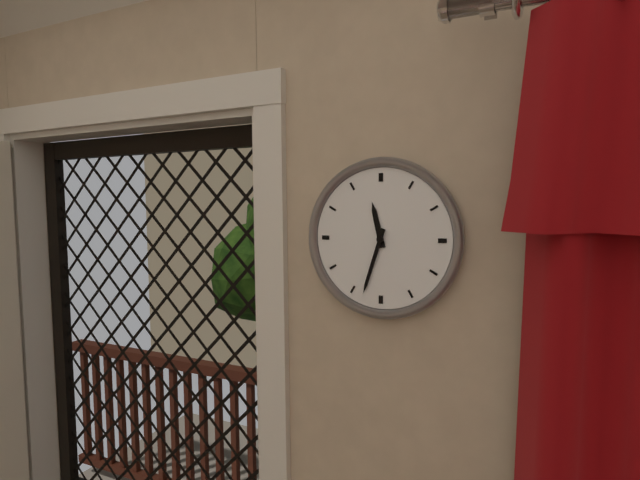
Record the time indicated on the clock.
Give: 11:33
